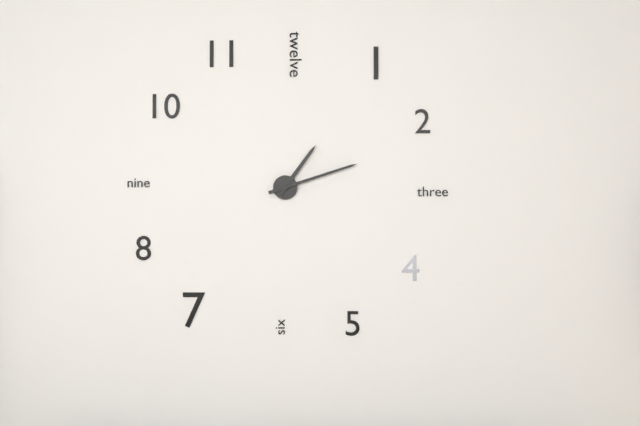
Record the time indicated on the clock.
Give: 1:12
